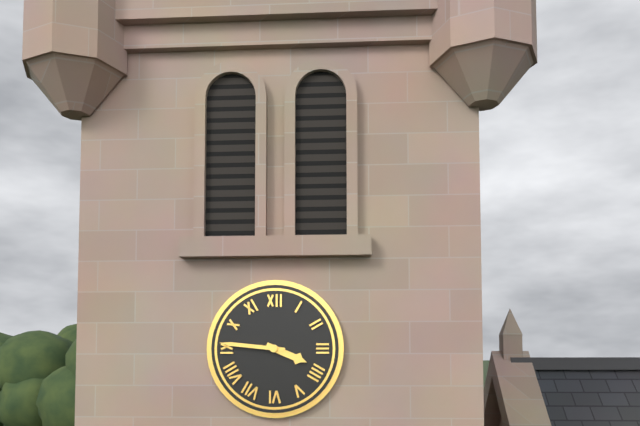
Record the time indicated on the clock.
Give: 3:46
